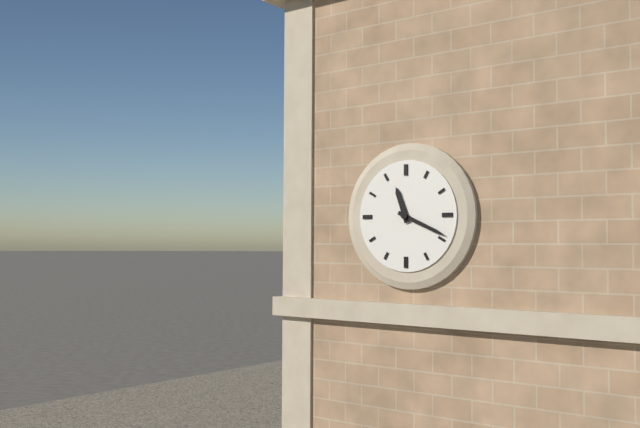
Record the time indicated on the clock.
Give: 11:19
